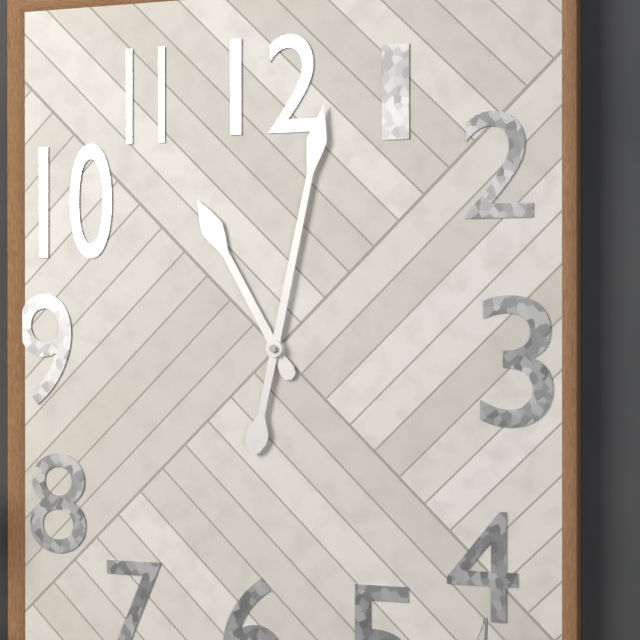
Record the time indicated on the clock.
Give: 11:02
